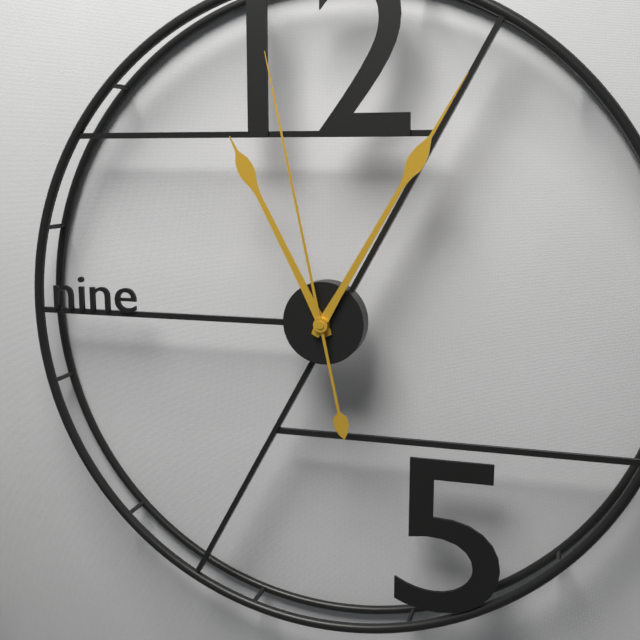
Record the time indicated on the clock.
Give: 11:05:58
